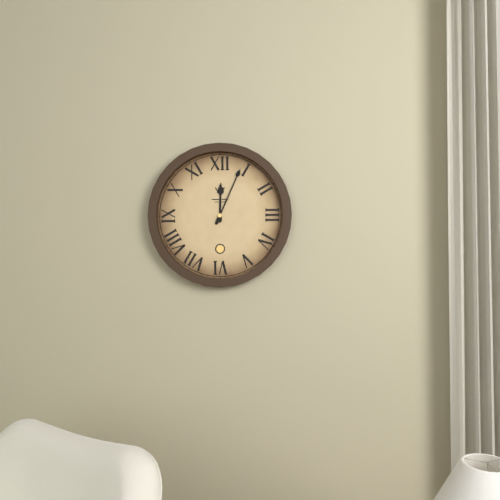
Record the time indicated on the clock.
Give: 12:04
